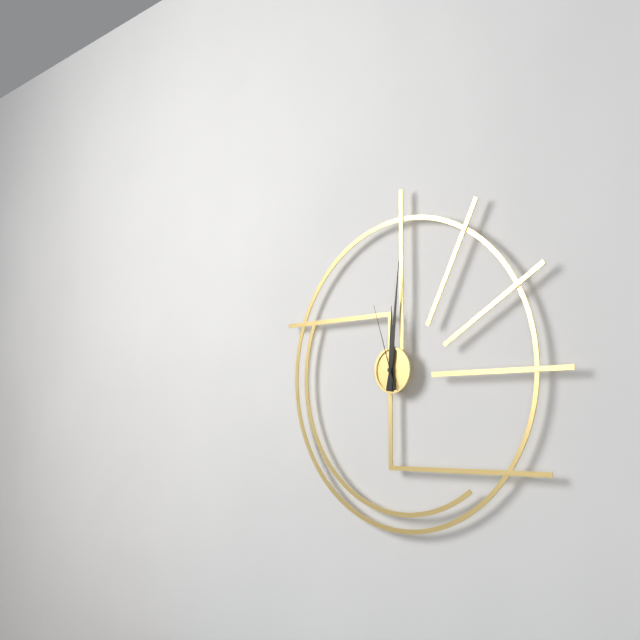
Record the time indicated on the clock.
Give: 12:01:57
